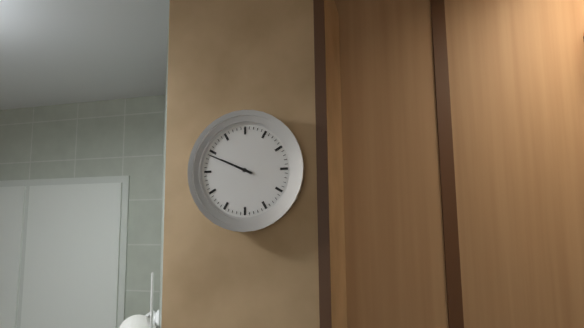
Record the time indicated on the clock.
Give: 9:49
